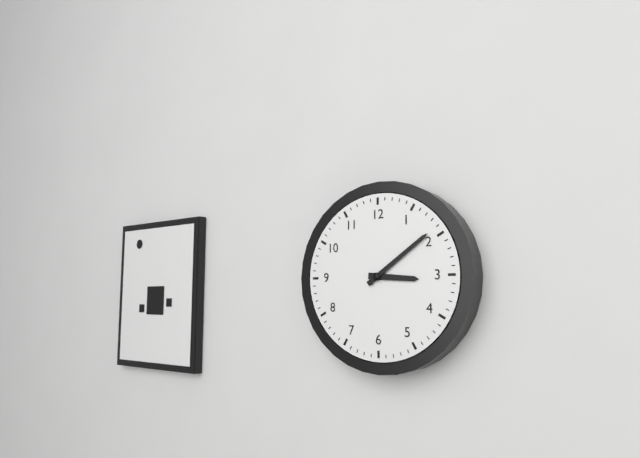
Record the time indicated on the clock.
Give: 3:09
